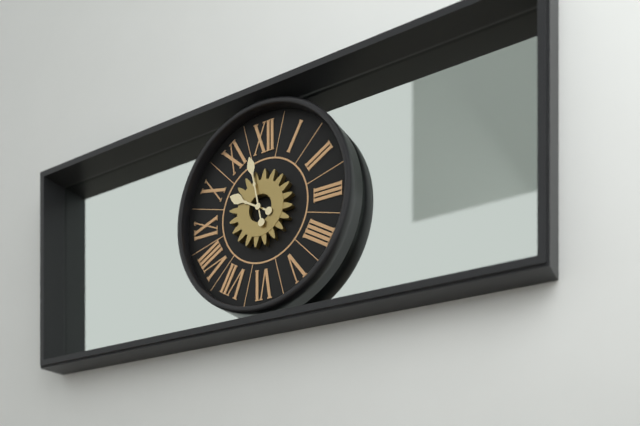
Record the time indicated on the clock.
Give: 9:58
